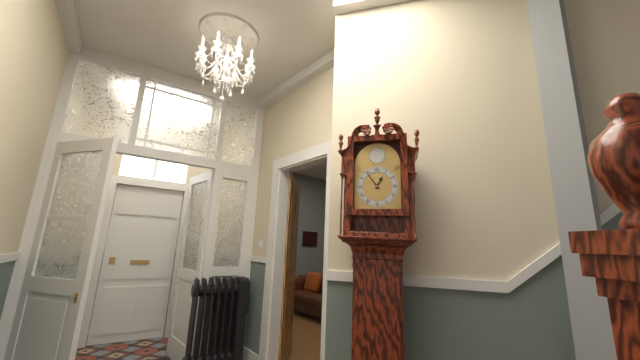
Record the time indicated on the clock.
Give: 12:54
